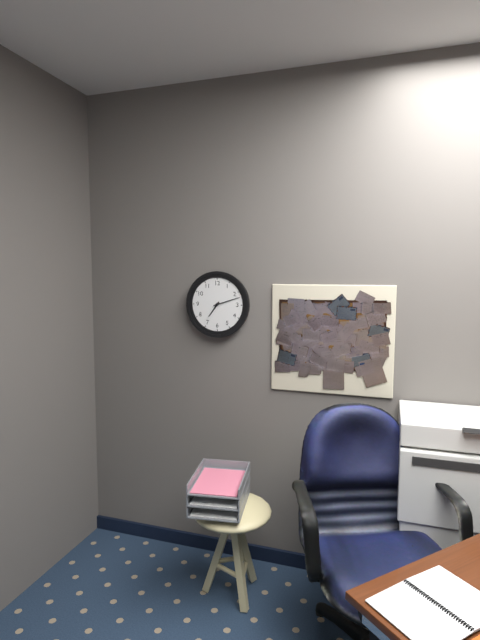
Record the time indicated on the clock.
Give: 7:12
